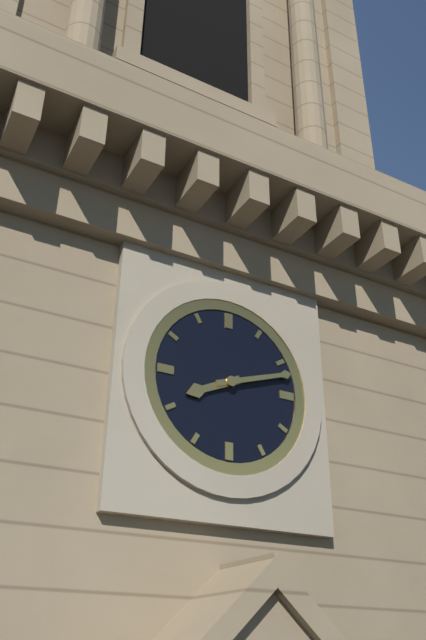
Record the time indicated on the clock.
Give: 8:12
